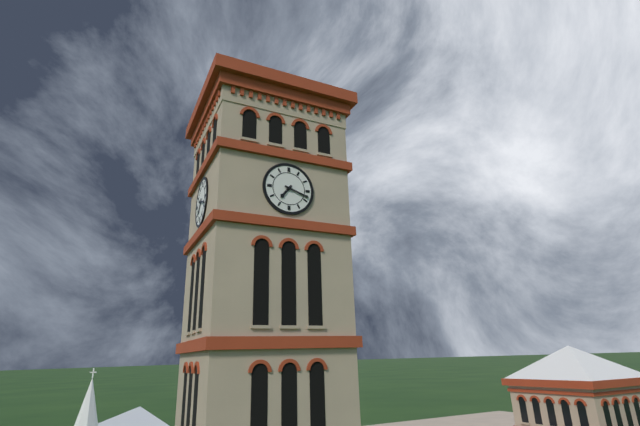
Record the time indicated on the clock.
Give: 7:18
